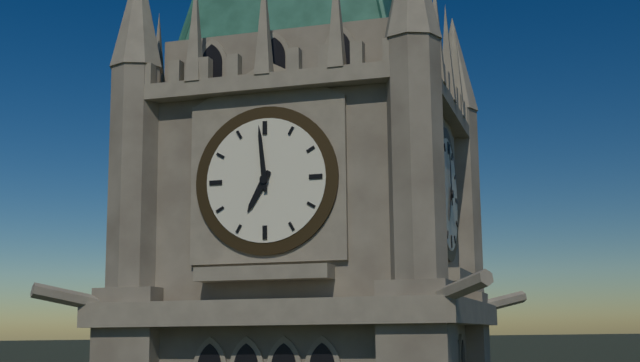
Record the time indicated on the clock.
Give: 6:59
